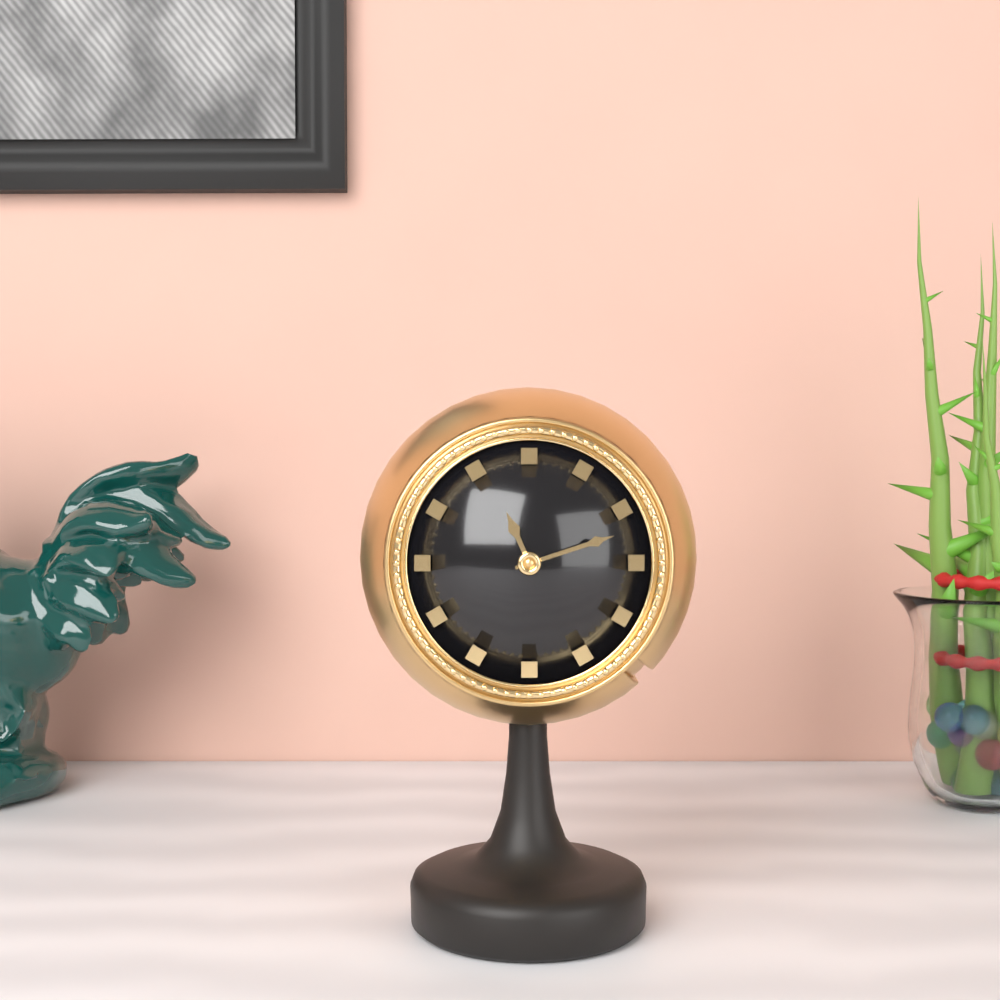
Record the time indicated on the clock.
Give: 11:12
